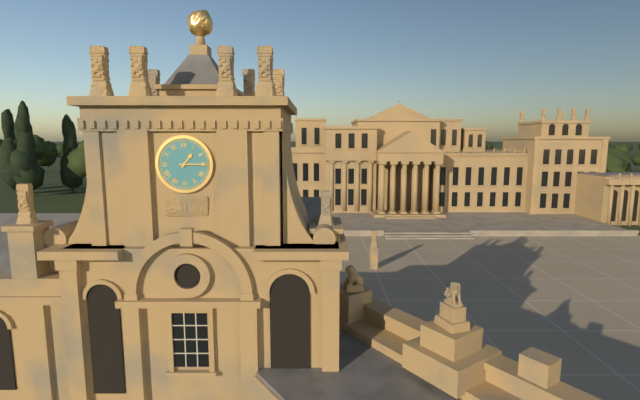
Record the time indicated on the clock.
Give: 1:15
